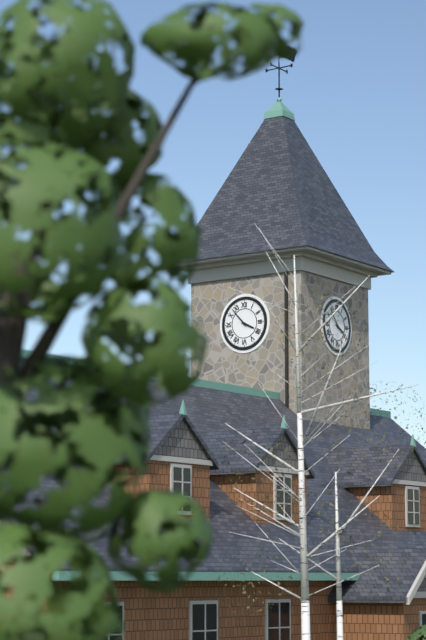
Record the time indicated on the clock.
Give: 3:53
